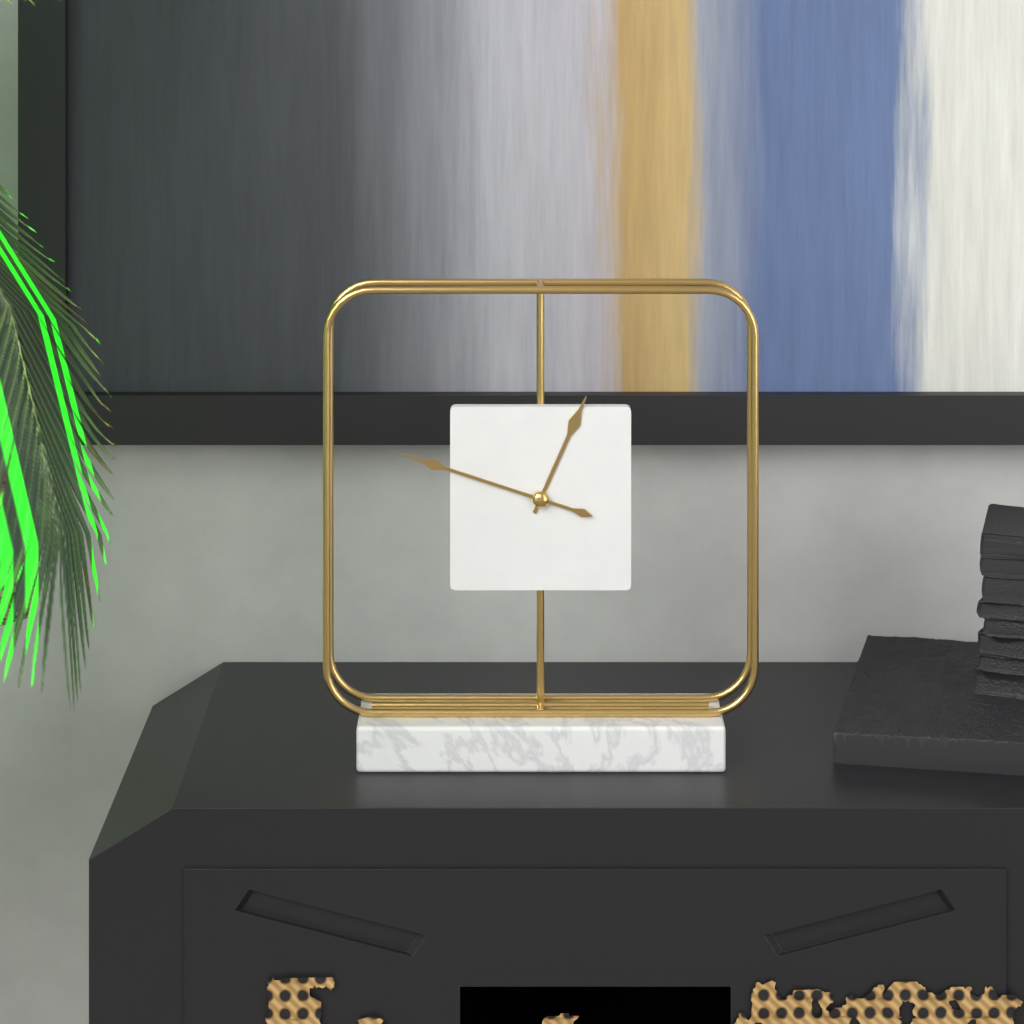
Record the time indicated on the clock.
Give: 12:48
